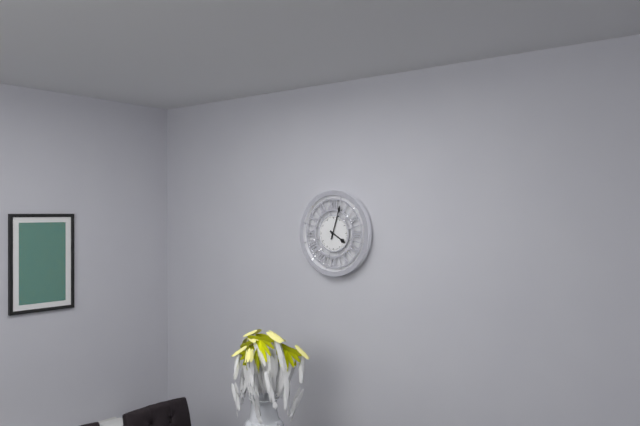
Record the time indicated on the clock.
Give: 4:03
